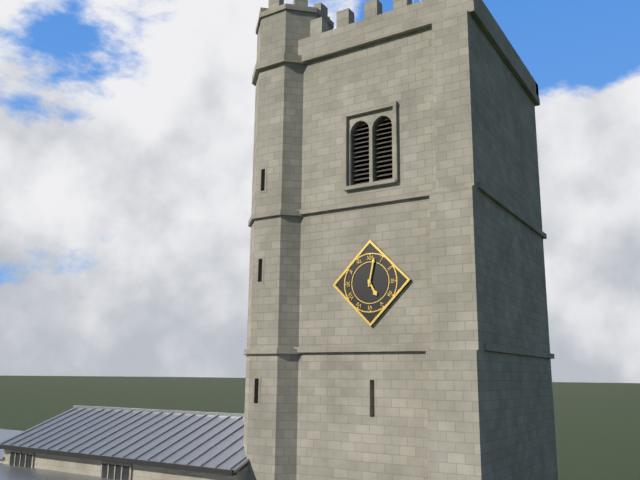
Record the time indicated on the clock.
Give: 5:02
